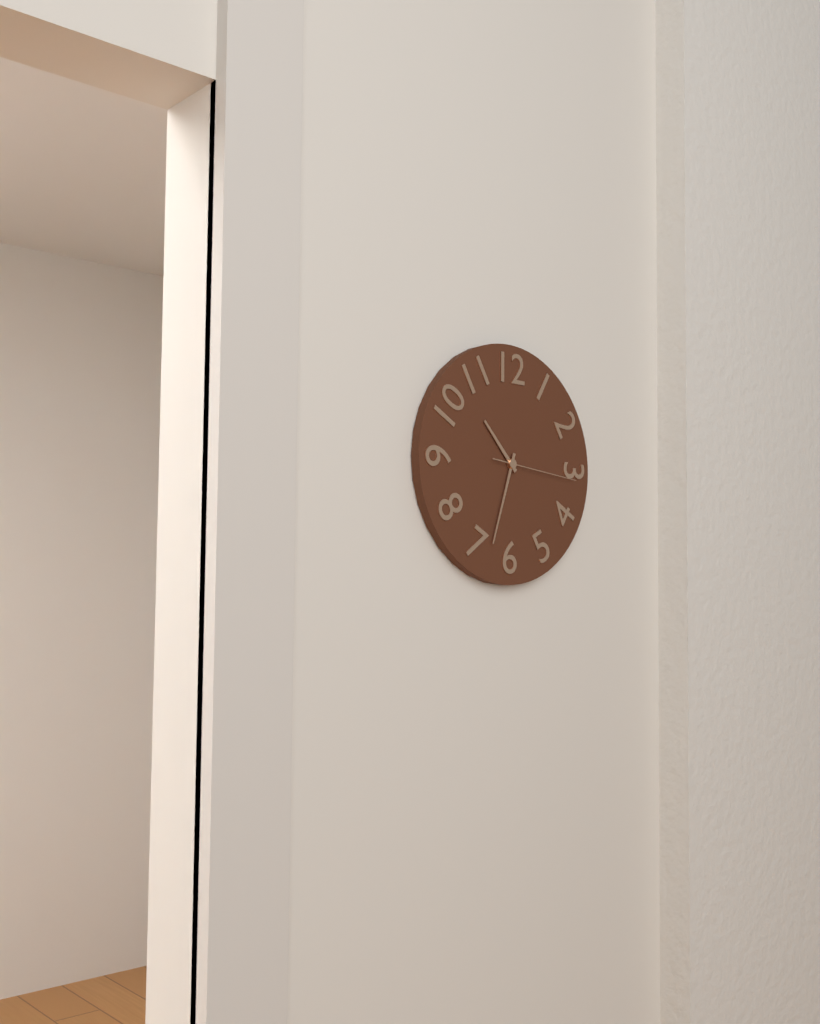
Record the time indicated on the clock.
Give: 10:33:16
